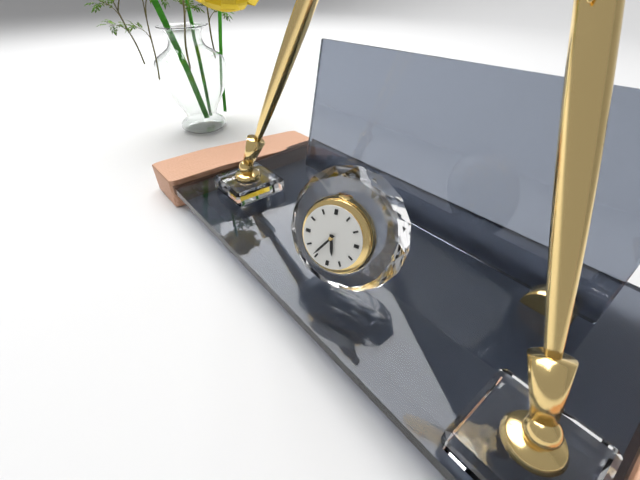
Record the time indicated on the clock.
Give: 5:36
